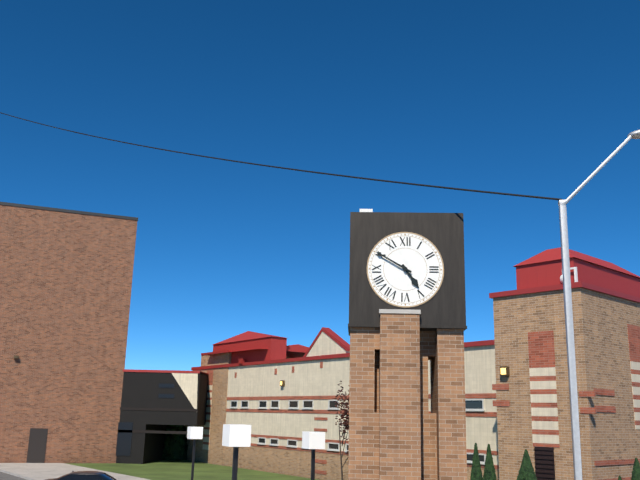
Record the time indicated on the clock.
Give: 4:50
